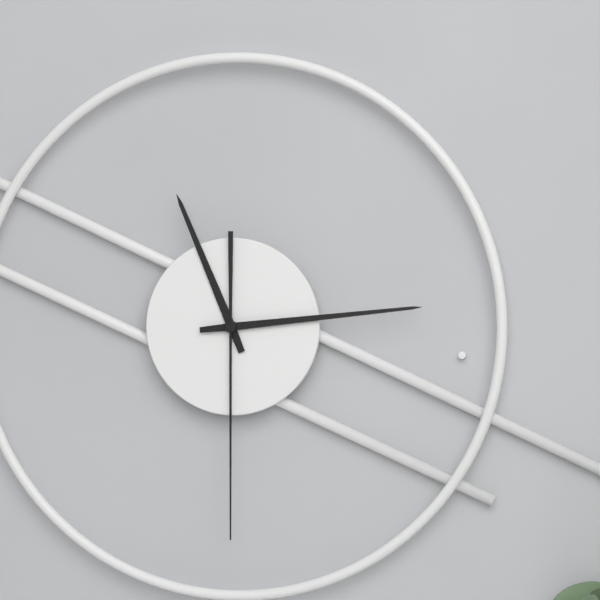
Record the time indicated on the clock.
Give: 11:14:30
